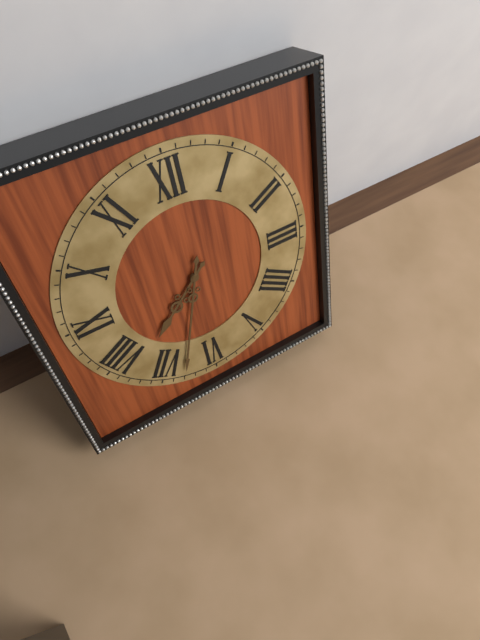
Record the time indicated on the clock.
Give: 7:33
